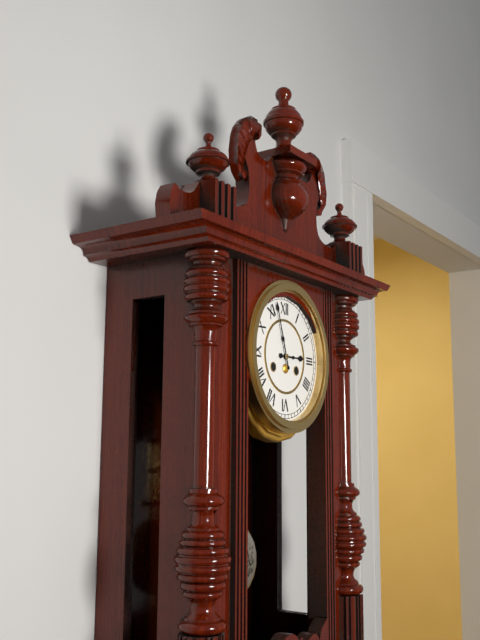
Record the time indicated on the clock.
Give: 2:57
